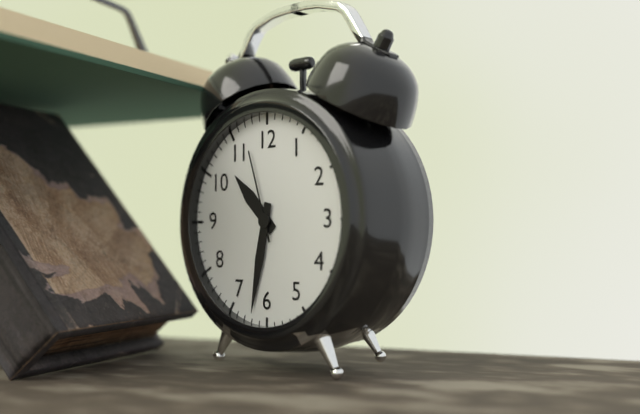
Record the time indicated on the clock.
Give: 10:32:57
